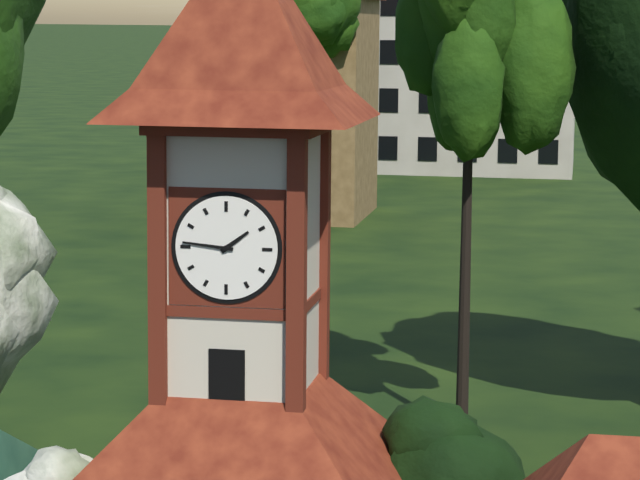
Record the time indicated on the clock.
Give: 1:46
